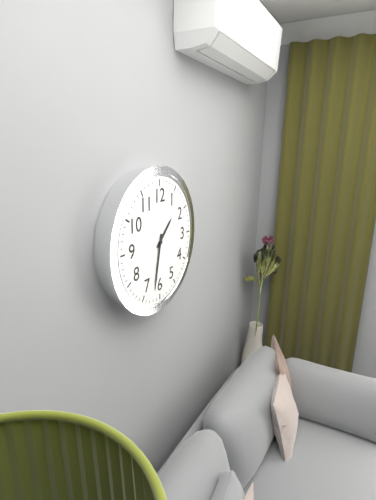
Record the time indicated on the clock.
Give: 1:32
